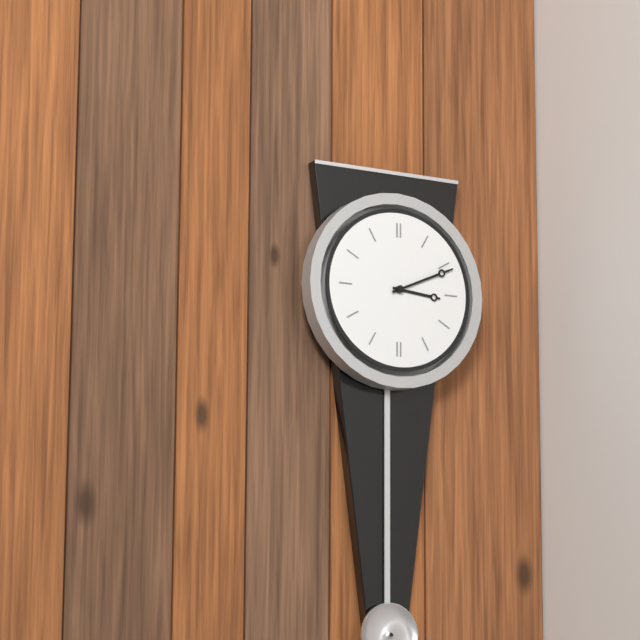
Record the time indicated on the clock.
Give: 3:11
